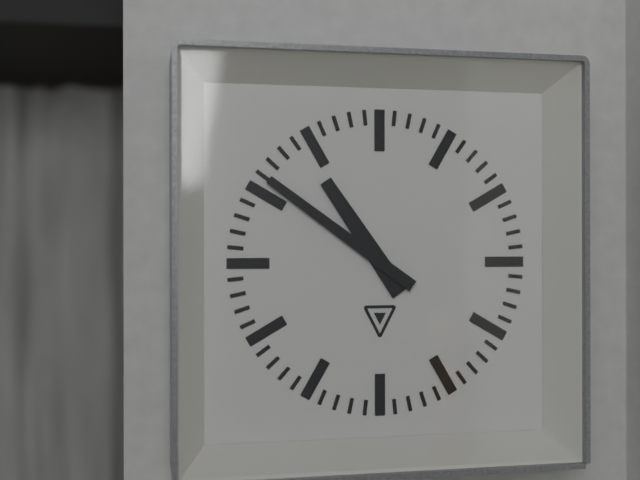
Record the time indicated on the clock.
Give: 10:51
